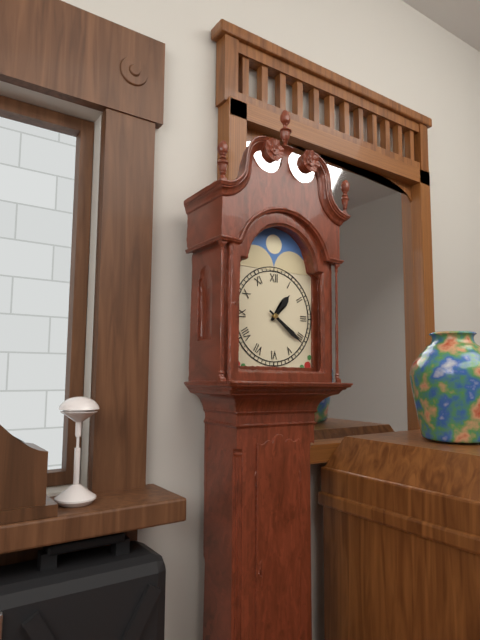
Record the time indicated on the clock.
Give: 1:21
